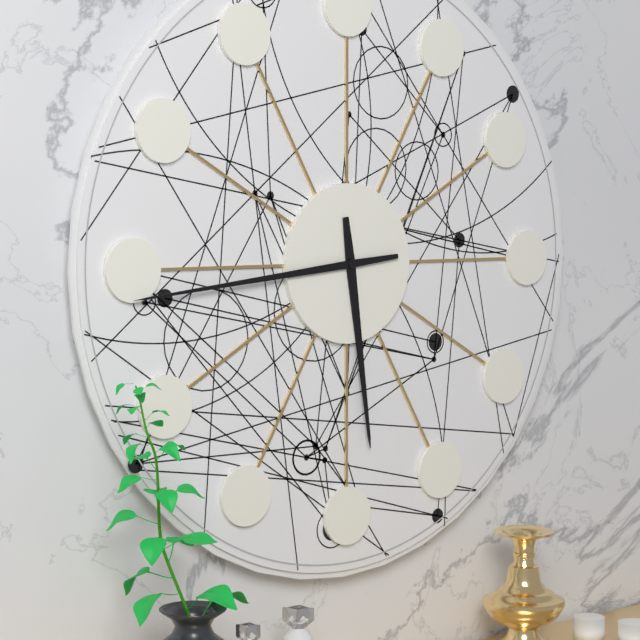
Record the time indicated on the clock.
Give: 5:44
